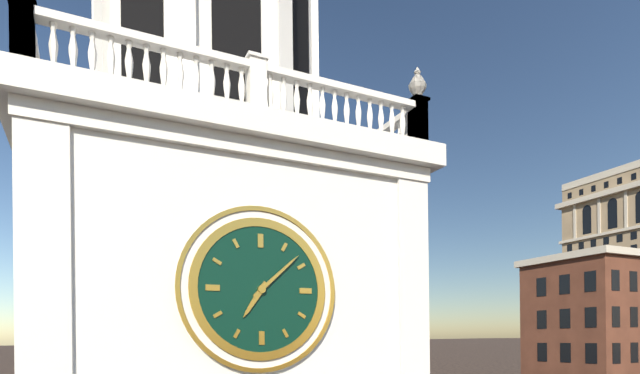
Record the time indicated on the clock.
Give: 7:08
